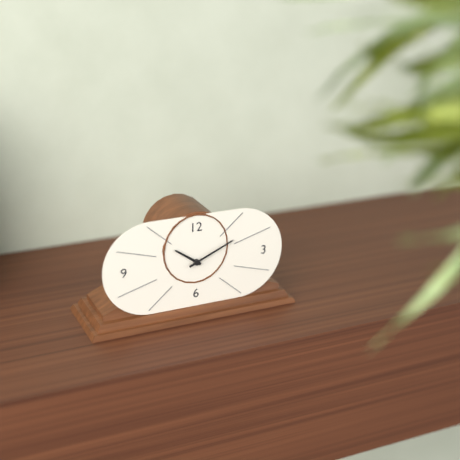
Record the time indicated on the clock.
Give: 10:11
